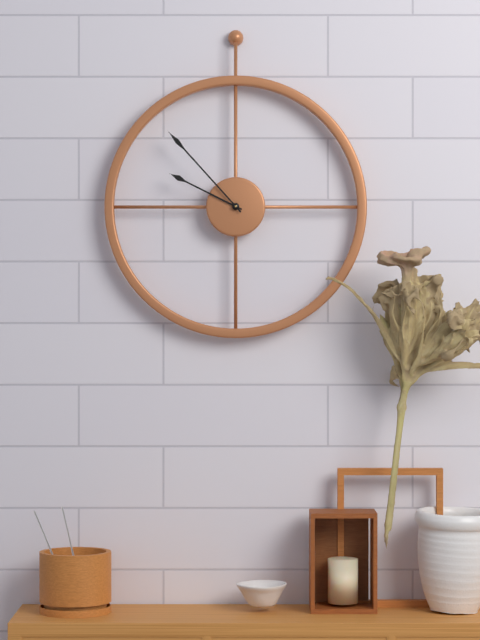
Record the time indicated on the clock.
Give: 9:53
